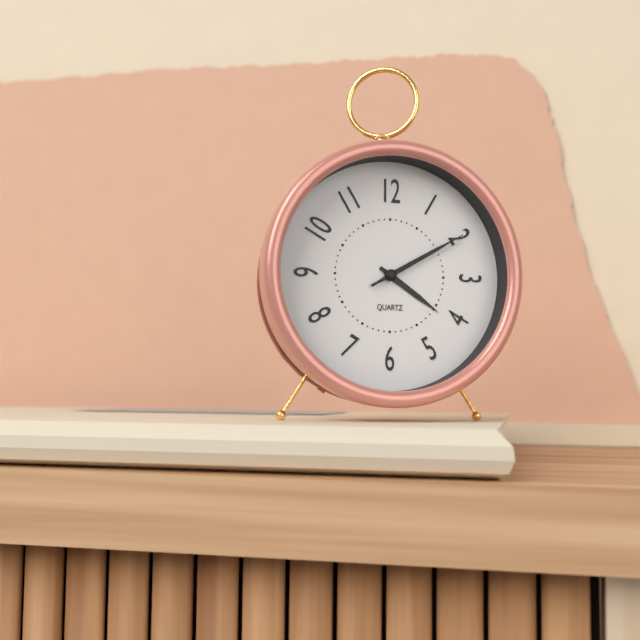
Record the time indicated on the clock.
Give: 4:10:10
